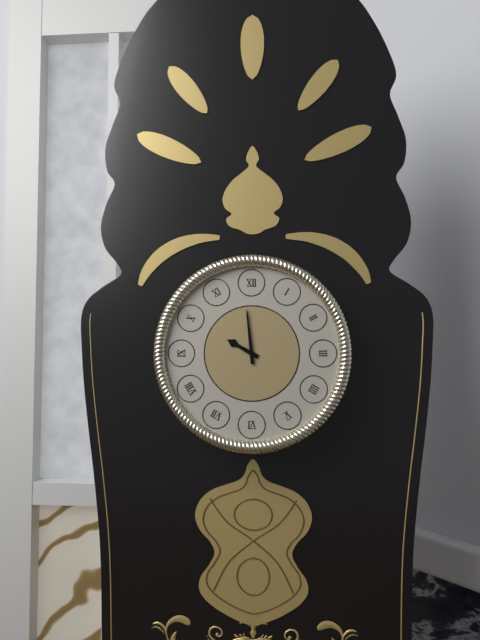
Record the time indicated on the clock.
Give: 9:59
